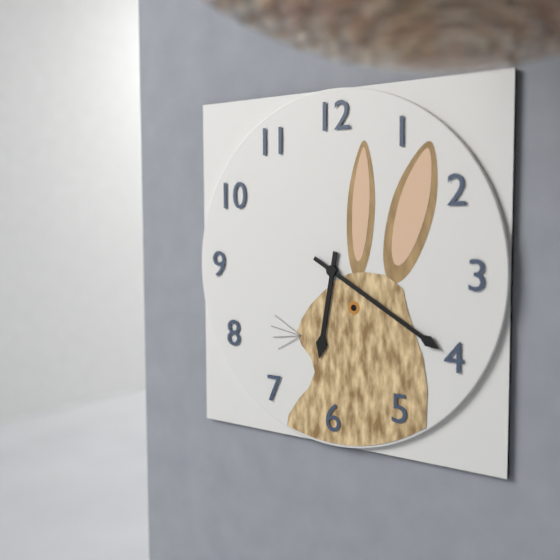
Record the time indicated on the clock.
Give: 6:20
